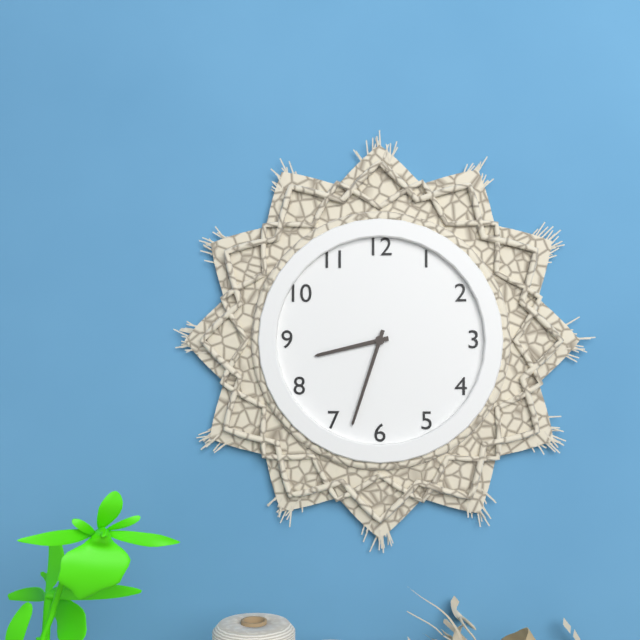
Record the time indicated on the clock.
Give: 8:33
